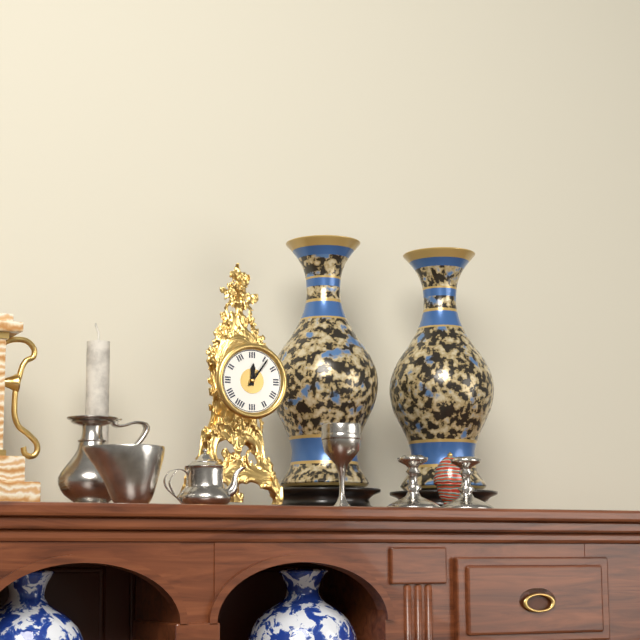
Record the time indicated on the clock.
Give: 12:06
